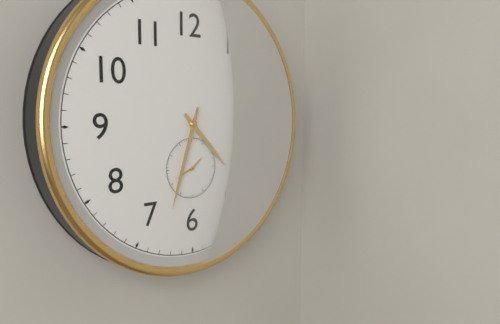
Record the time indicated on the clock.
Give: 4:33
